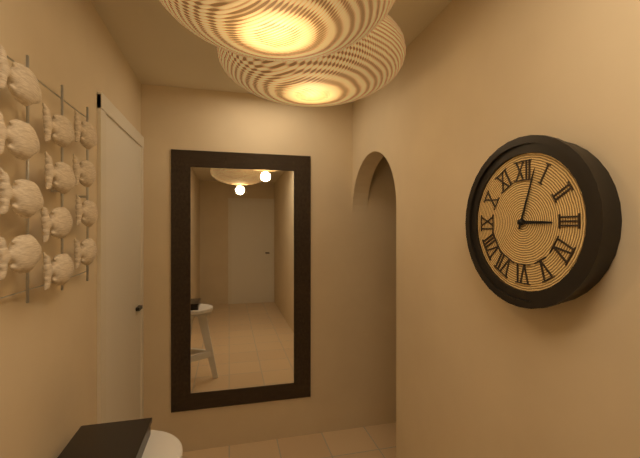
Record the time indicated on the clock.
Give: 3:03
